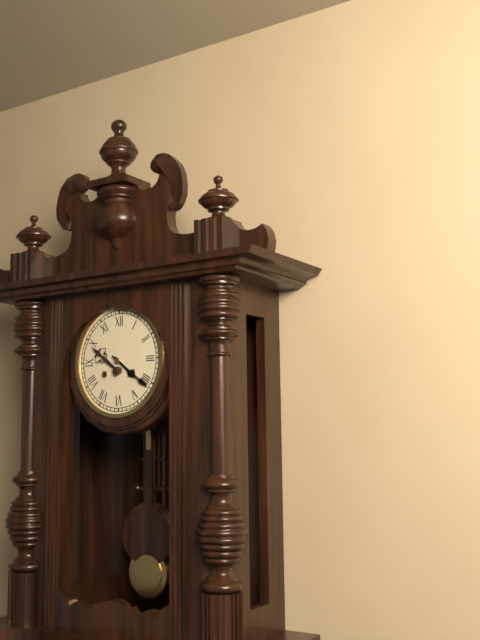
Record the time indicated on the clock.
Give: 4:21
